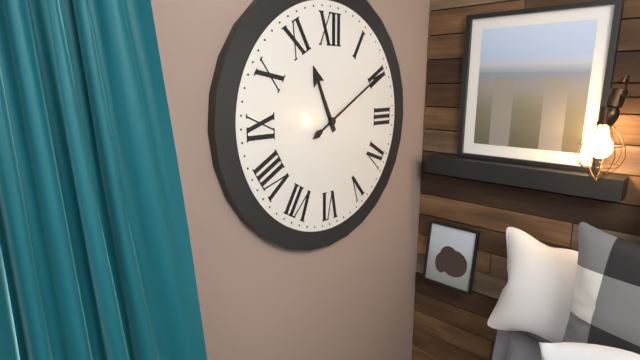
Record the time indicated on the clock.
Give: 11:10
